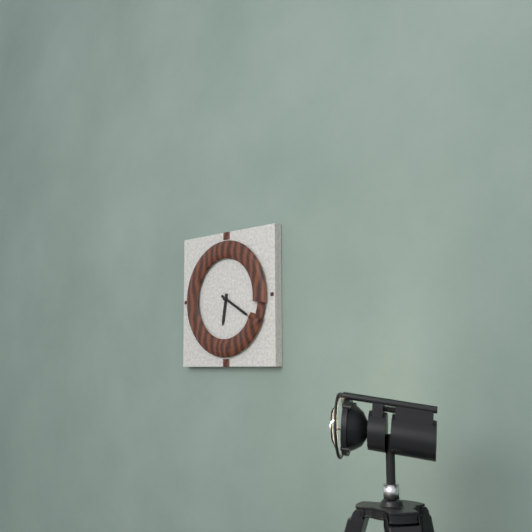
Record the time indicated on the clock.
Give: 6:20
